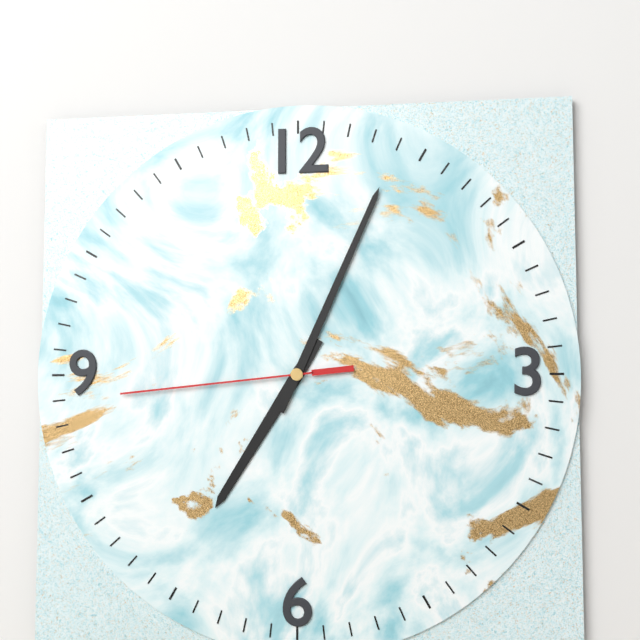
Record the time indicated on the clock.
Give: 7:04:44
